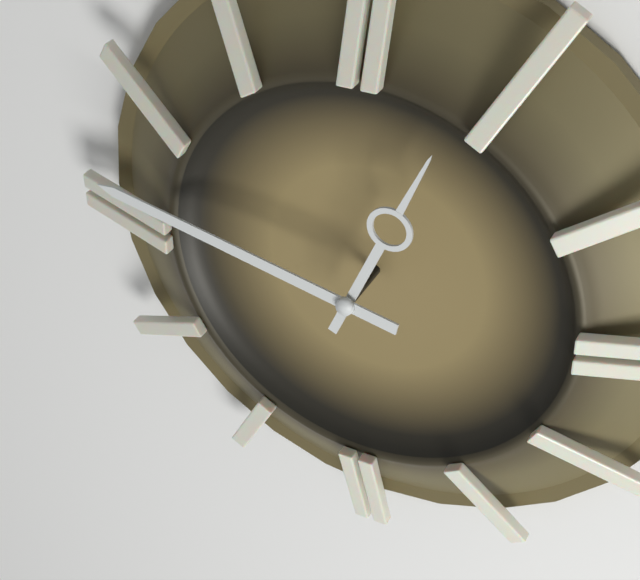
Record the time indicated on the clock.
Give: 12:47
